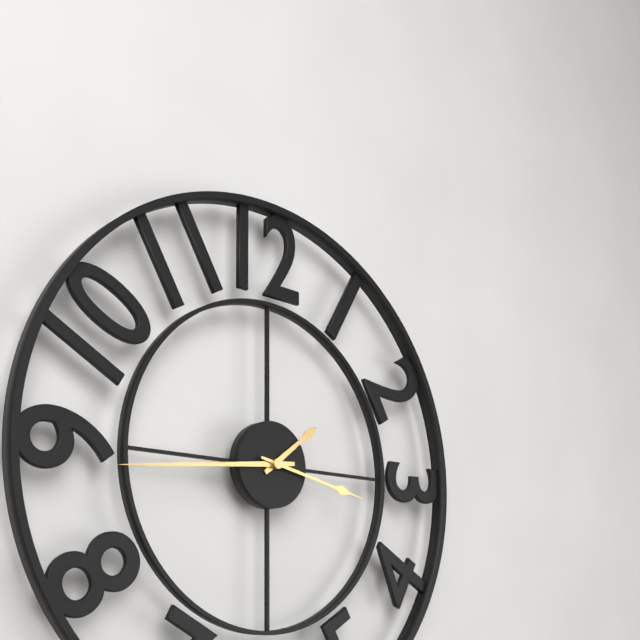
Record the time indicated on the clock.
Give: 1:44:17
